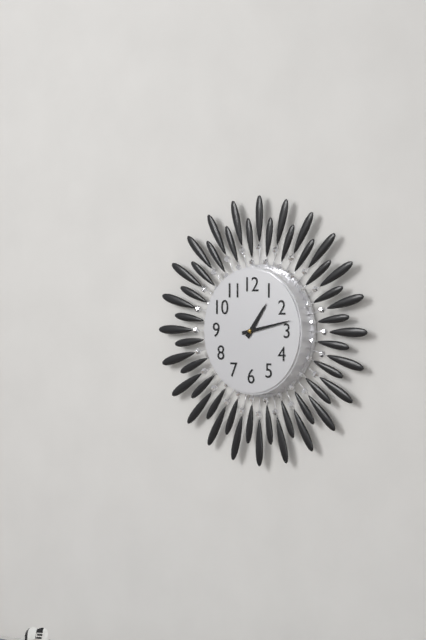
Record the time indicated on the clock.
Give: 1:13
